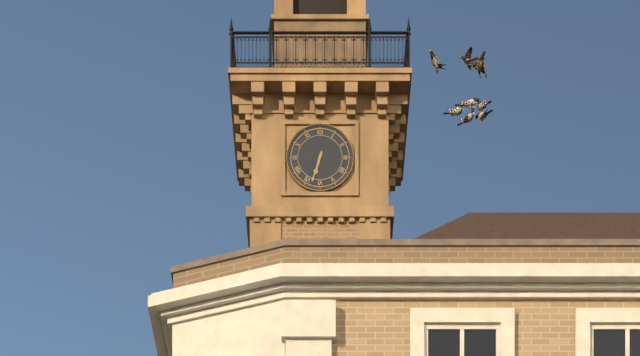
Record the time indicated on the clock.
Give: 6:33
